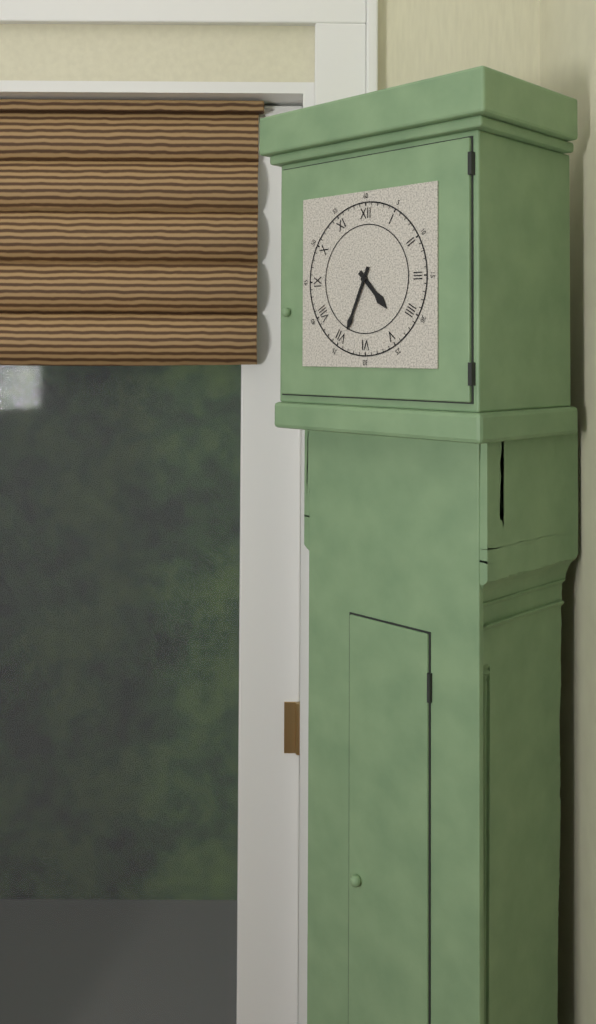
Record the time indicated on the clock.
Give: 4:34
